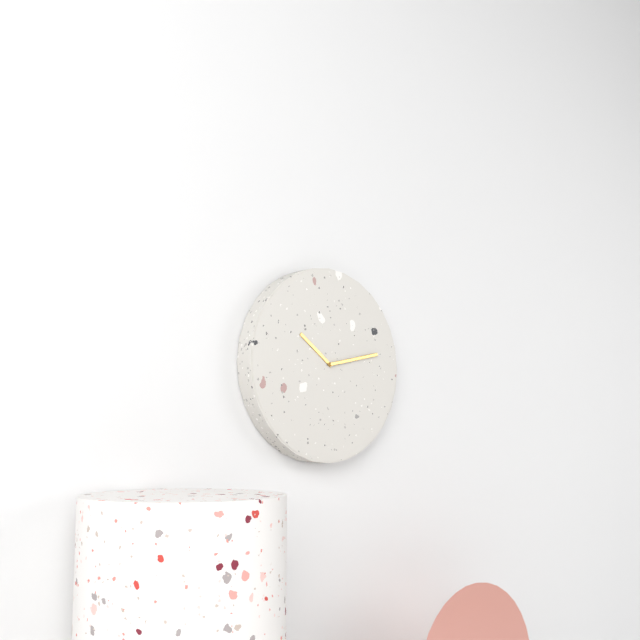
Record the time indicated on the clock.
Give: 10:13
